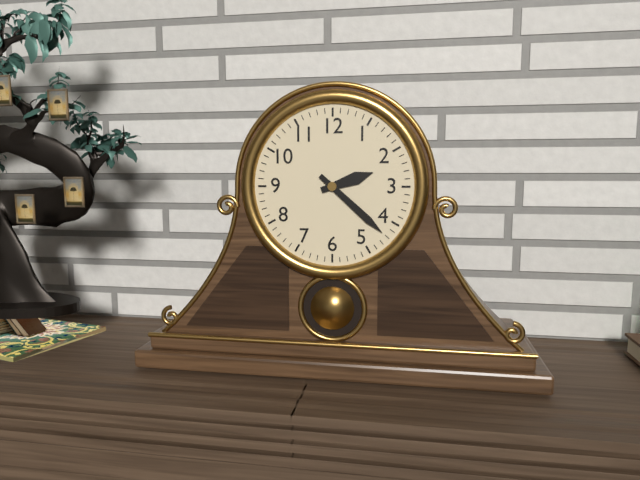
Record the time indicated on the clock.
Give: 2:22
